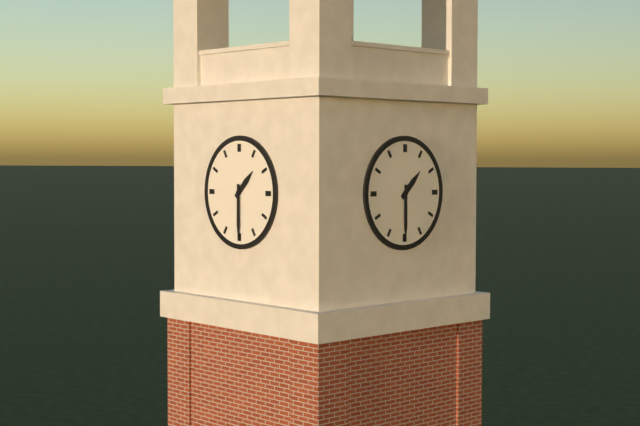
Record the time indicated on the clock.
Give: 1:30
